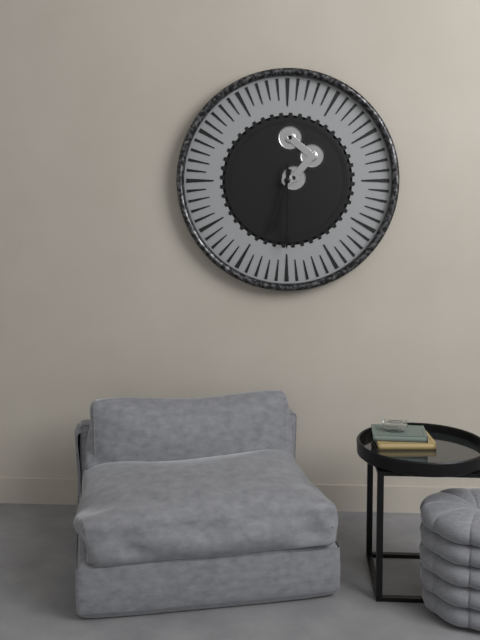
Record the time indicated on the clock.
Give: 6:30
